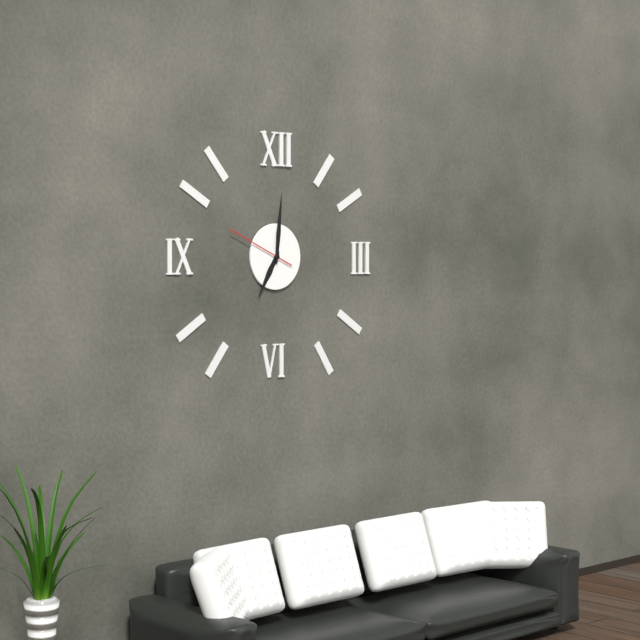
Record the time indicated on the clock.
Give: 7:01:49
